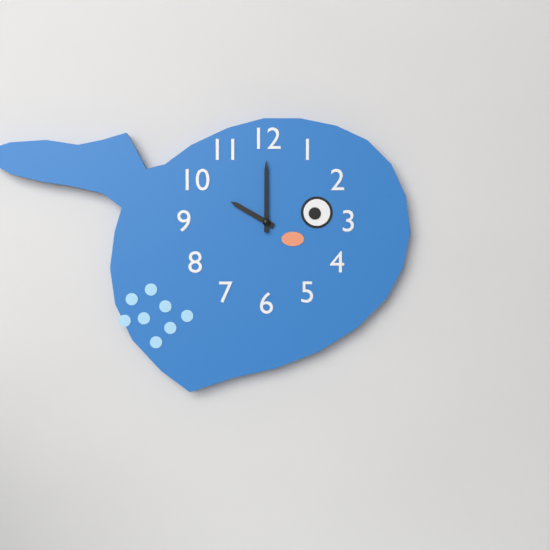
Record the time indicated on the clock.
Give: 10:00
